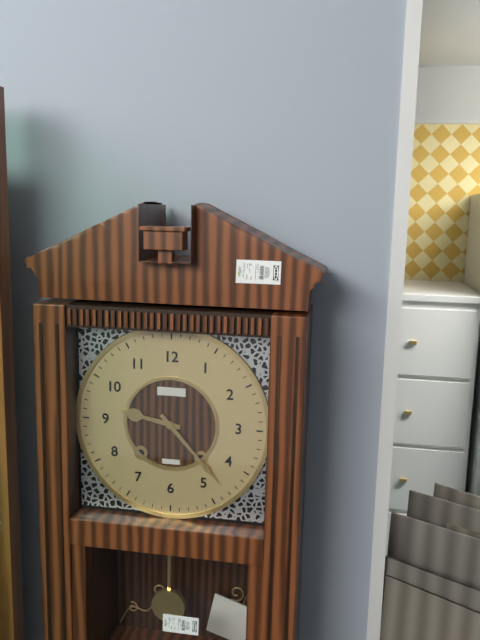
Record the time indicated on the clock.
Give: 9:23
